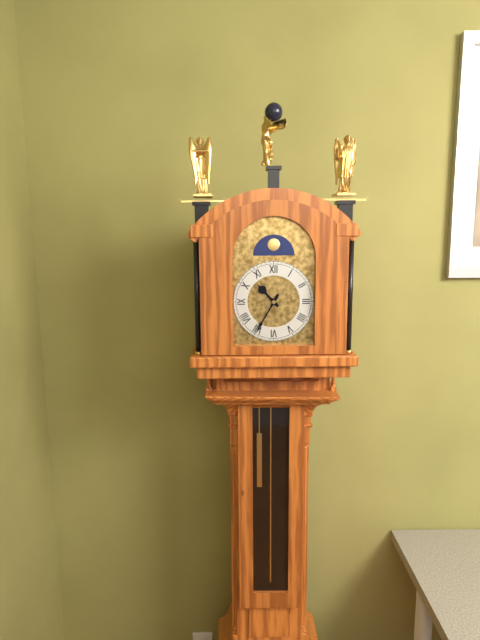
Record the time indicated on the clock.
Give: 10:35
